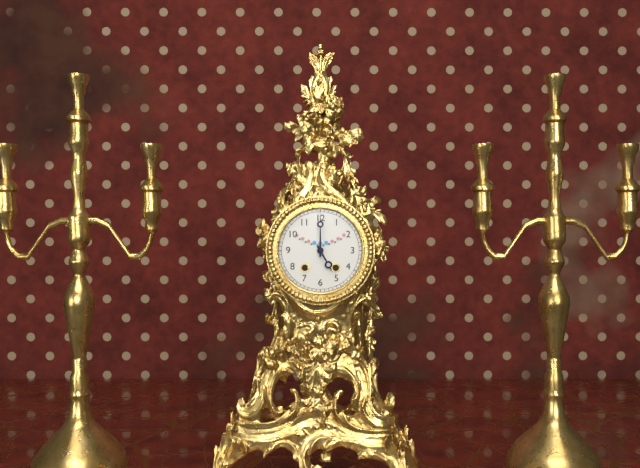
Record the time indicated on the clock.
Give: 5:00
